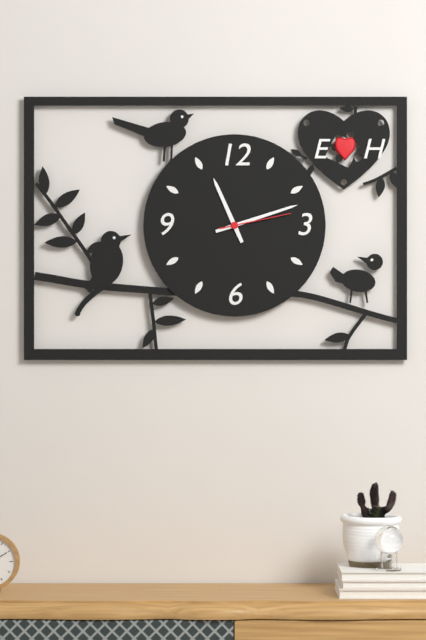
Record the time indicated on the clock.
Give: 11:12:13
